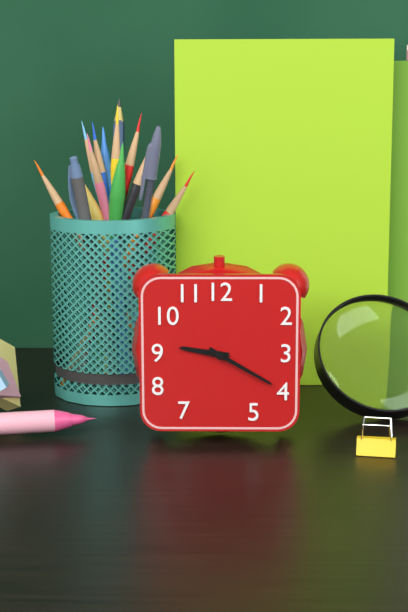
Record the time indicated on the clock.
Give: 9:20
